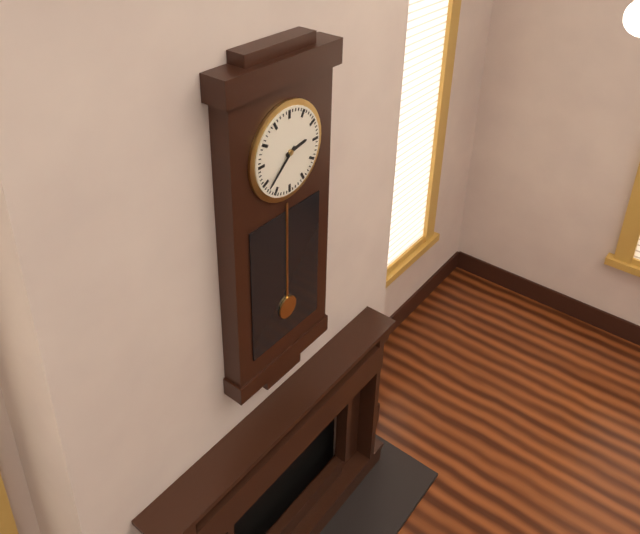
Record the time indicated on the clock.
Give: 2:38
